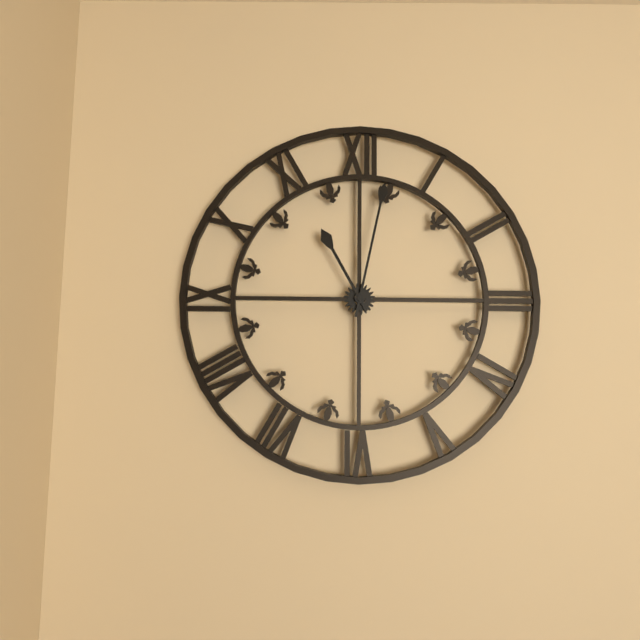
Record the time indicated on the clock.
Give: 11:02
